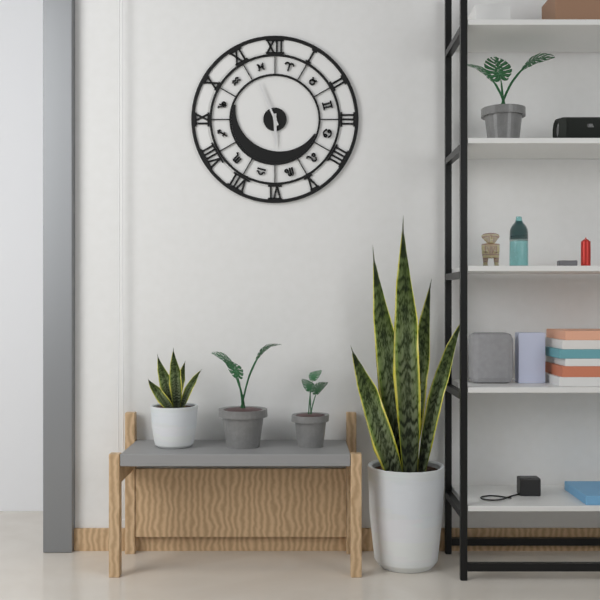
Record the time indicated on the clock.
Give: 5:56
